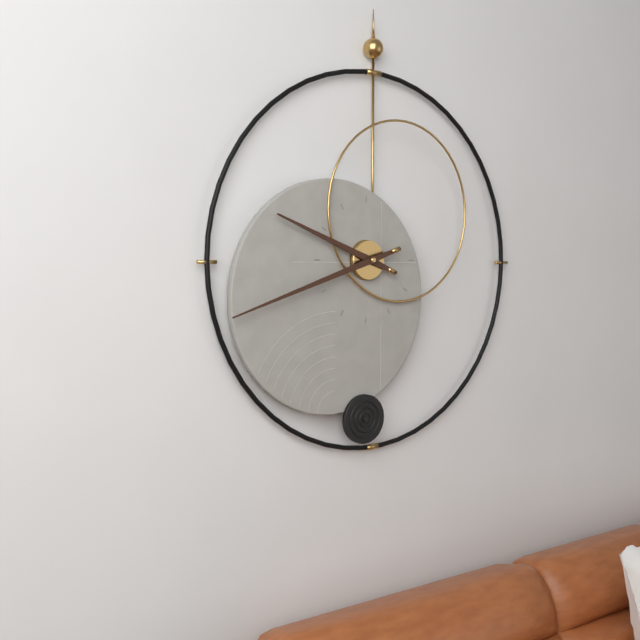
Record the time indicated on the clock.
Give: 9:42
